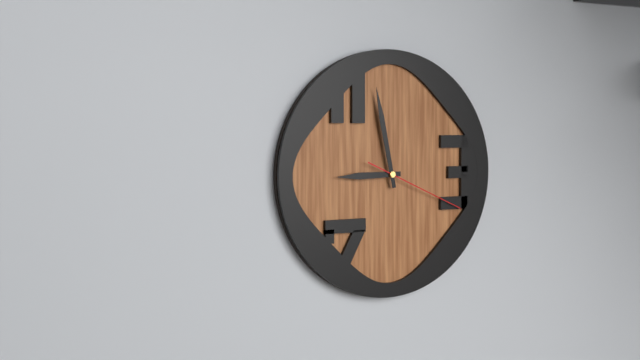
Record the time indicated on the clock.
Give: 8:58:19
